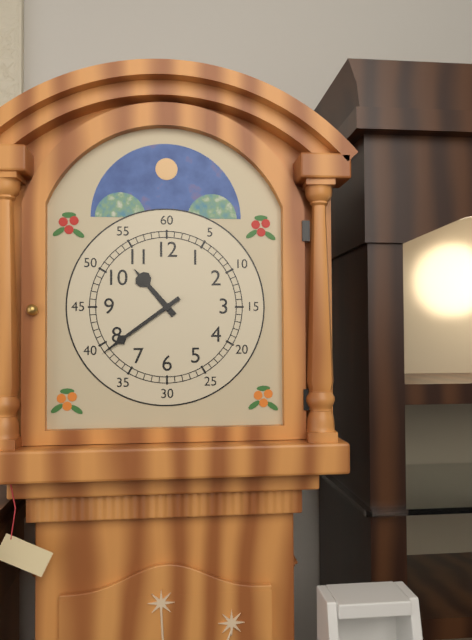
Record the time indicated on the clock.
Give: 10:39
